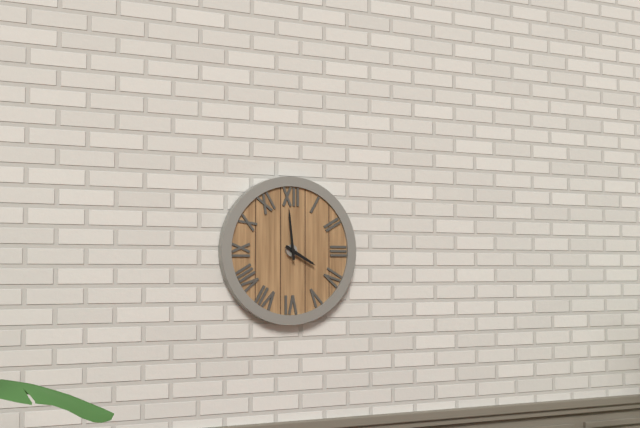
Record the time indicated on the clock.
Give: 3:59
